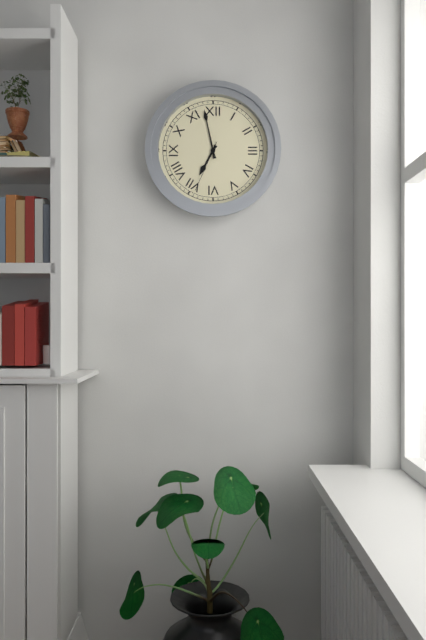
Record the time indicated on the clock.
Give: 6:58:34
